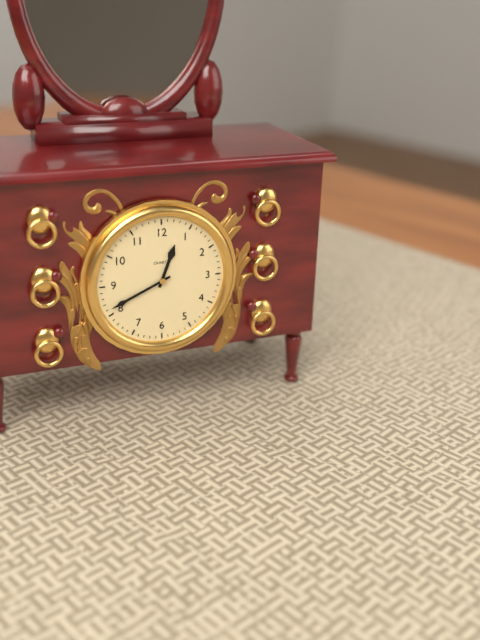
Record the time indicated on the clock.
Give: 12:41
